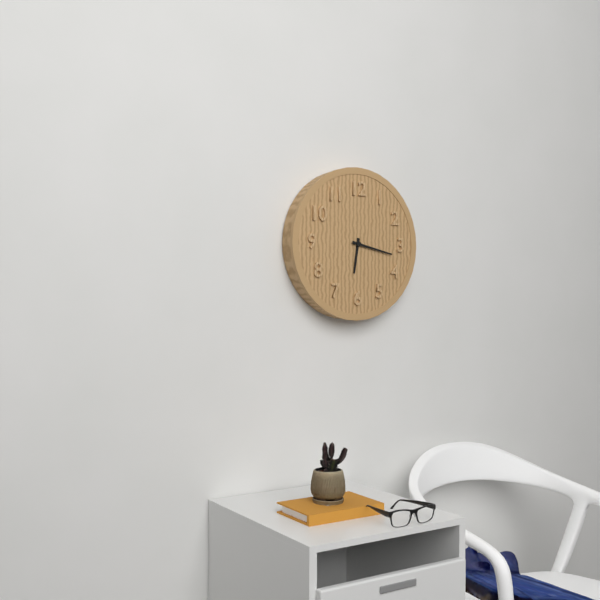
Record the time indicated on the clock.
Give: 6:17
